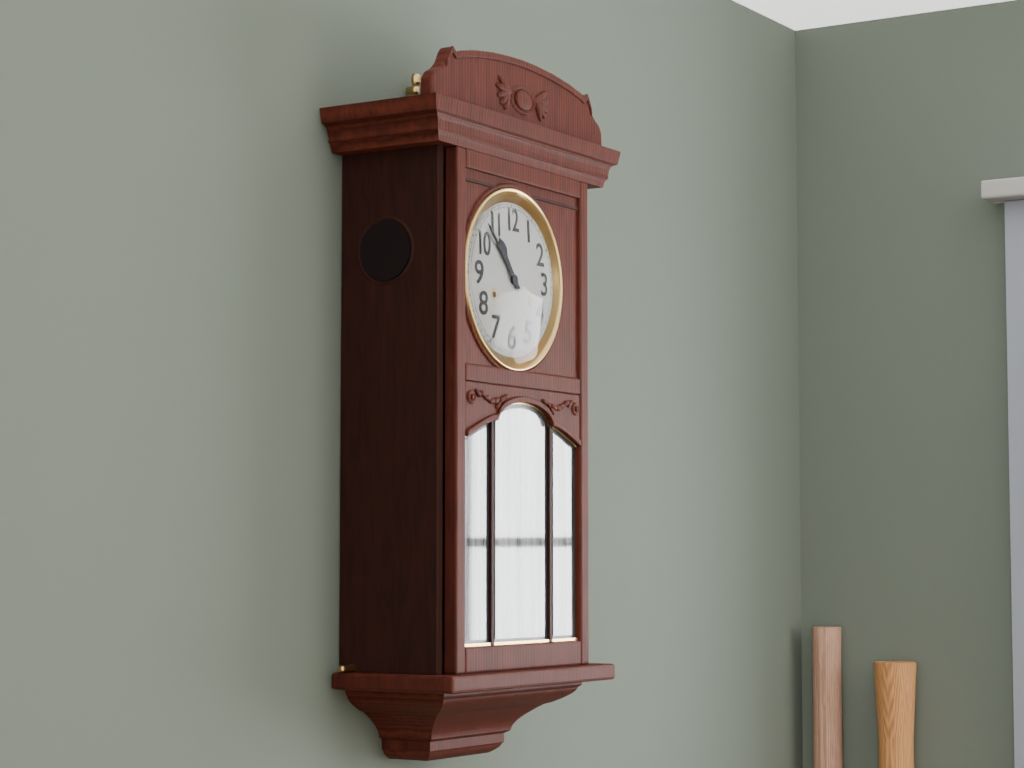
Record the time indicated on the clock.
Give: 10:53
